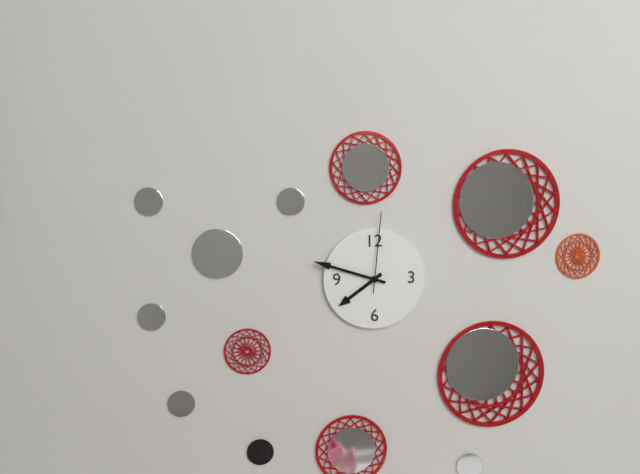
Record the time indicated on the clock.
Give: 7:48:01
